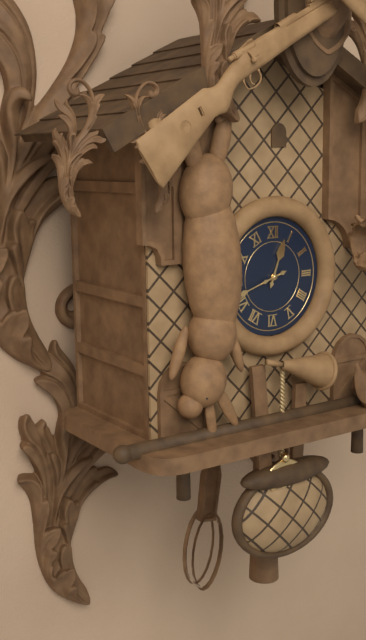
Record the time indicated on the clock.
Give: 12:42
